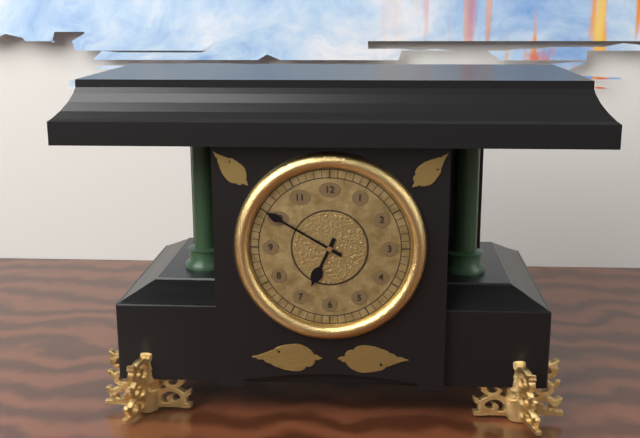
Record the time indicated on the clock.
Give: 6:50
